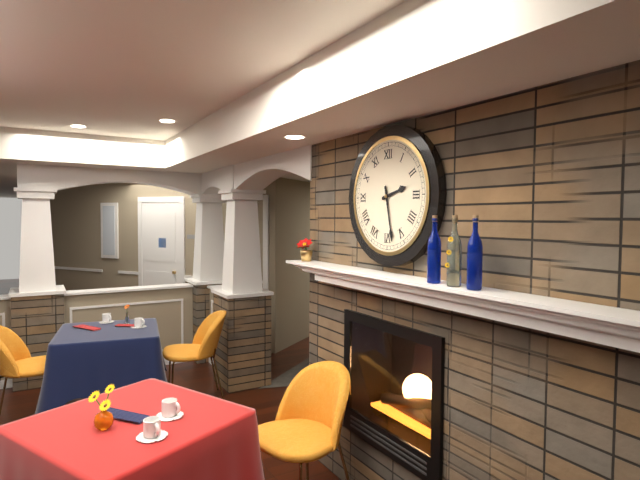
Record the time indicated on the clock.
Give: 2:28
